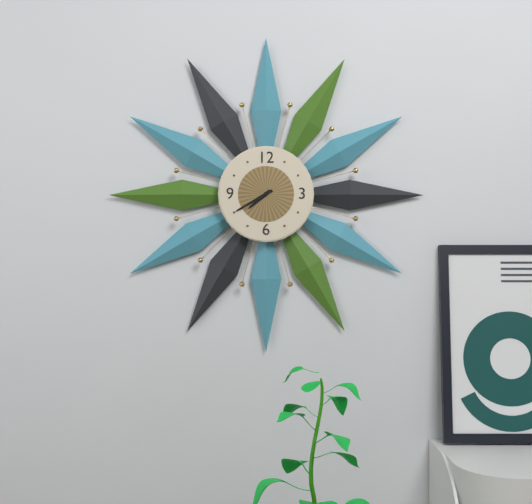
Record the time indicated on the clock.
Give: 7:40
